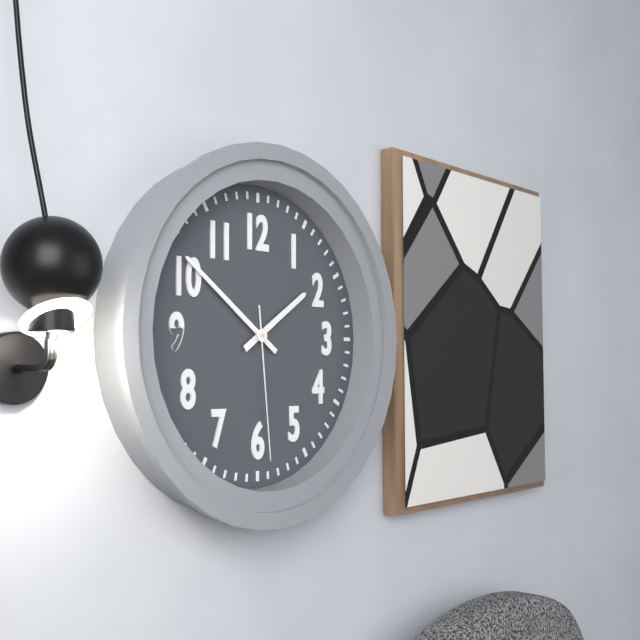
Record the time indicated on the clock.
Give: 1:51:29
